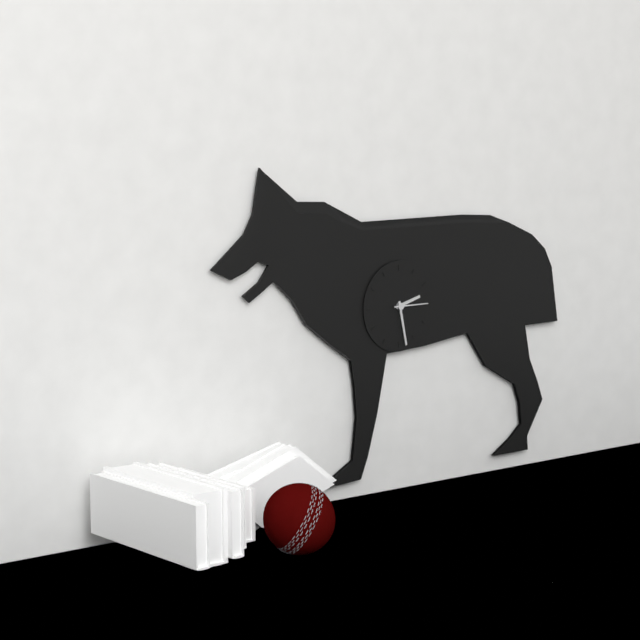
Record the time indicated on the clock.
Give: 2:28
